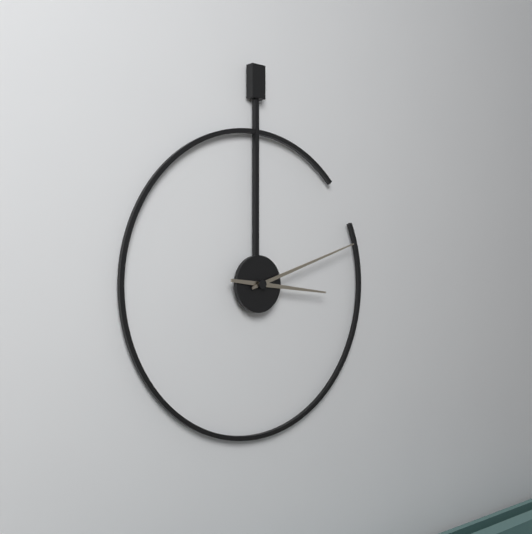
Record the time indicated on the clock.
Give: 3:12
